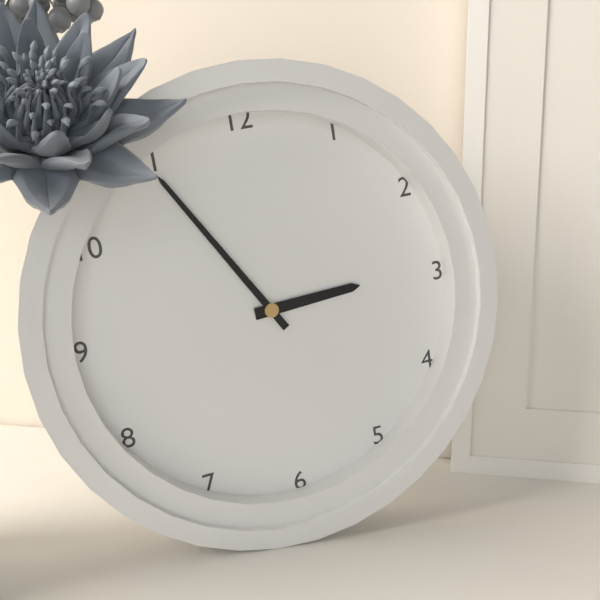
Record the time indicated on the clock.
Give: 2:55
